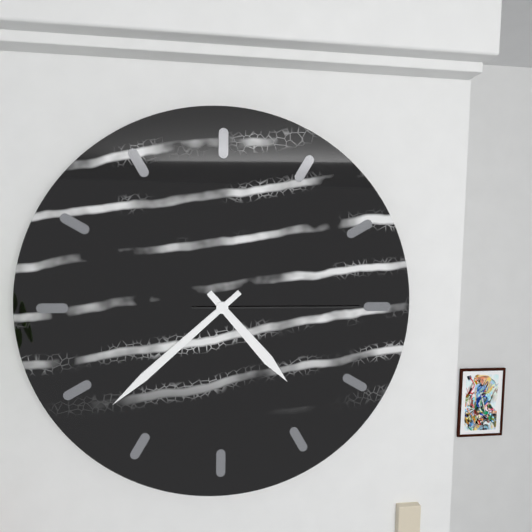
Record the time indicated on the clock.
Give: 4:38:15
